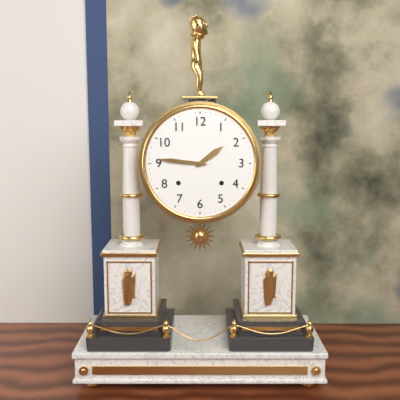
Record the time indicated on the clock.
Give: 1:46
